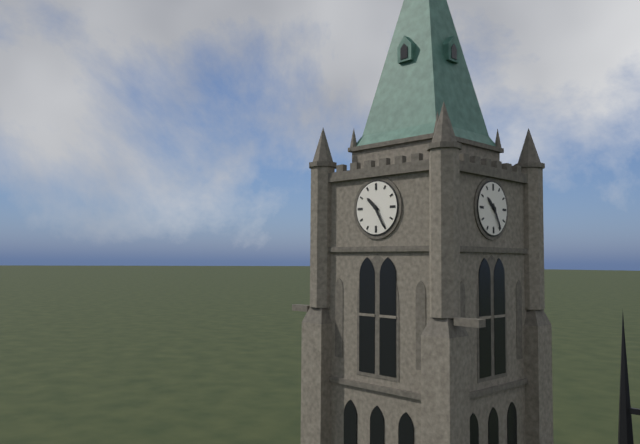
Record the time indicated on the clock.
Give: 10:25
